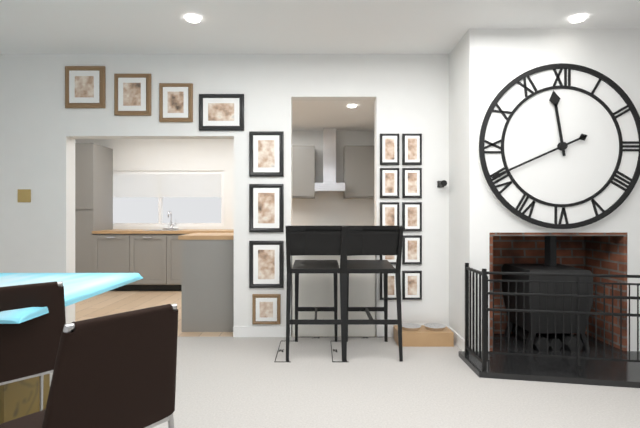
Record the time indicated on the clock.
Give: 11:41
